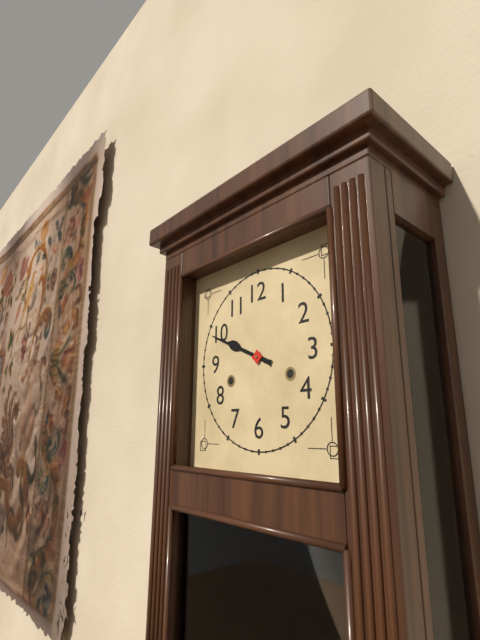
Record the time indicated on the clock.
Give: 9:49
